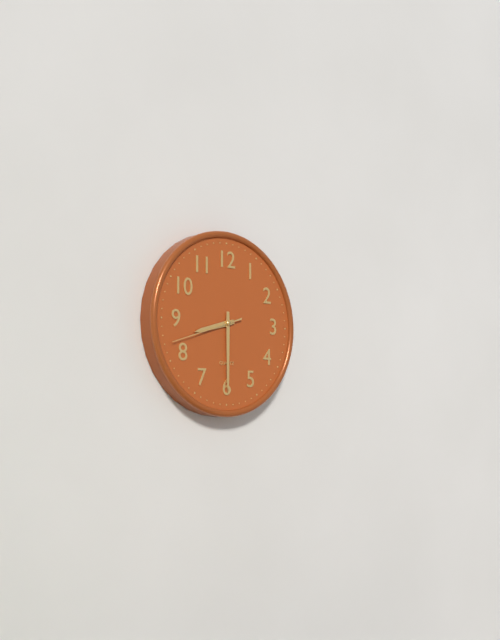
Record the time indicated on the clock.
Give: 8:30:42
